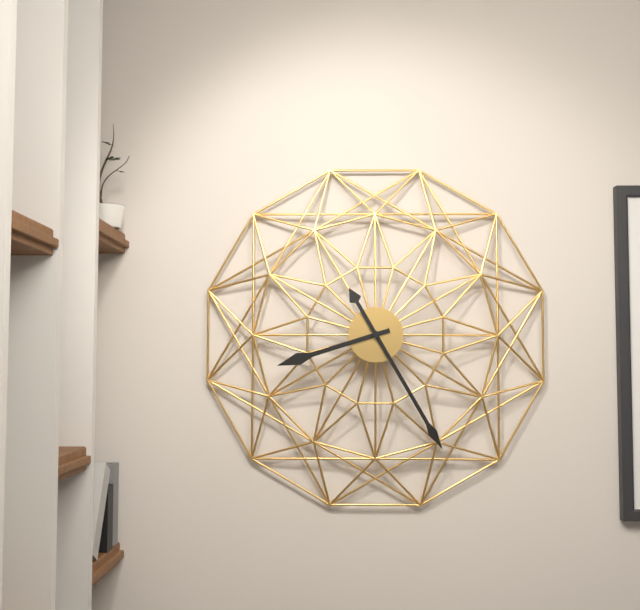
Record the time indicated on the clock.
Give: 8:25
